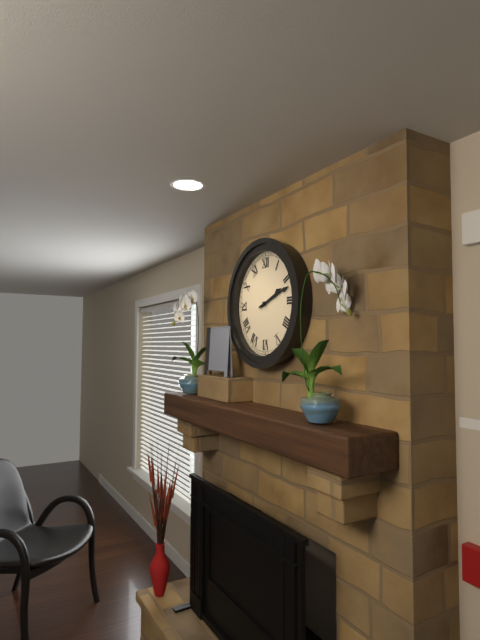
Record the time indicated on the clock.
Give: 2:12
